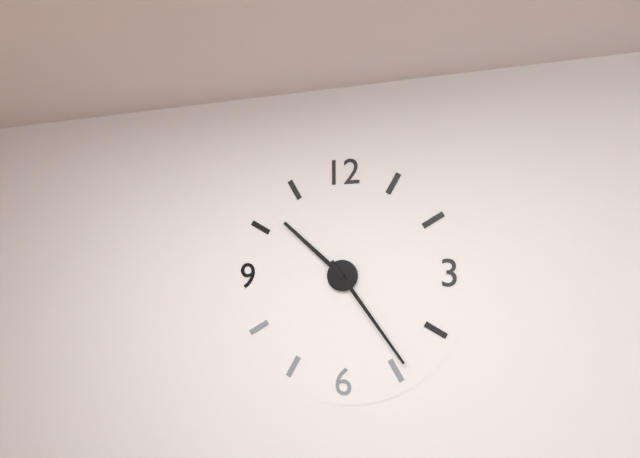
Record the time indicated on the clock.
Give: 10:24
